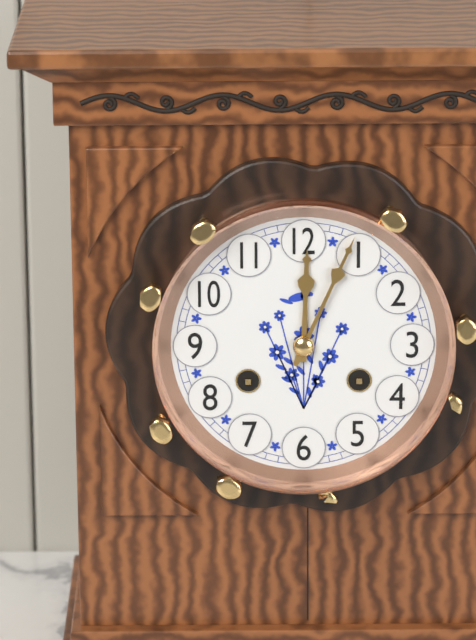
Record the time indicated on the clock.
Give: 12:04
